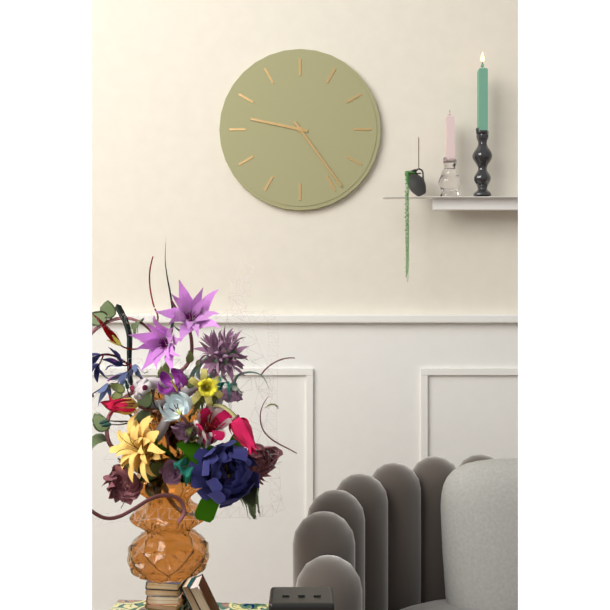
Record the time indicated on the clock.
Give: 9:24
